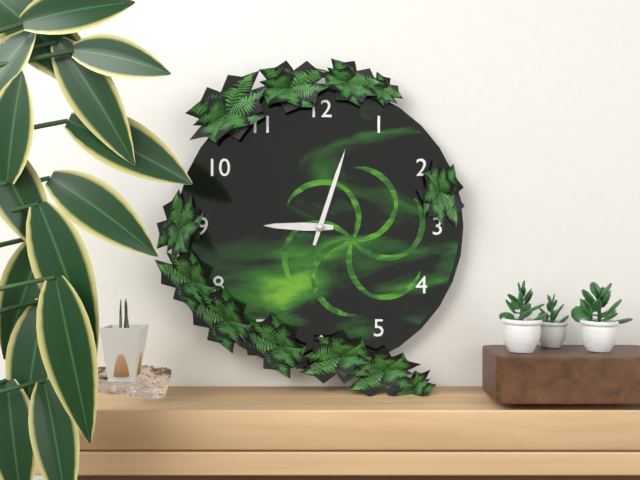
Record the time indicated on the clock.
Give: 9:03
